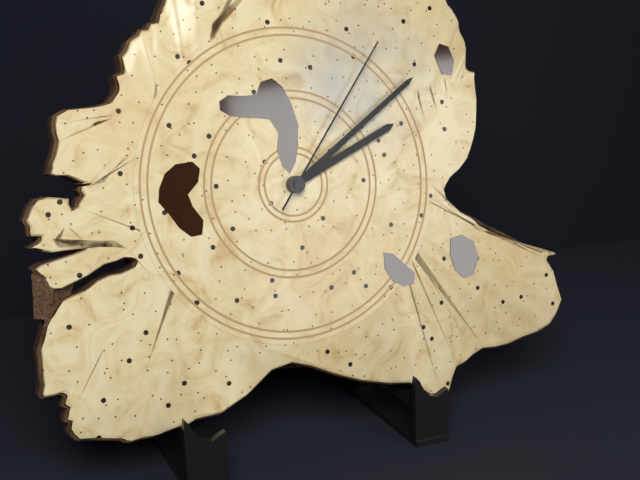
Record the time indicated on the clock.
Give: 2:09:06
